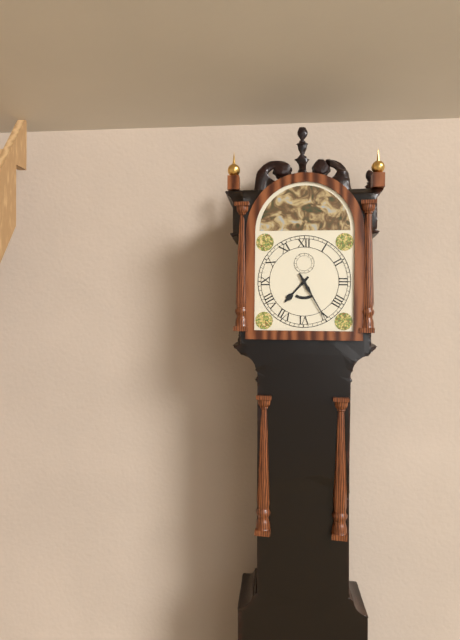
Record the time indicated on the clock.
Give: 7:25
